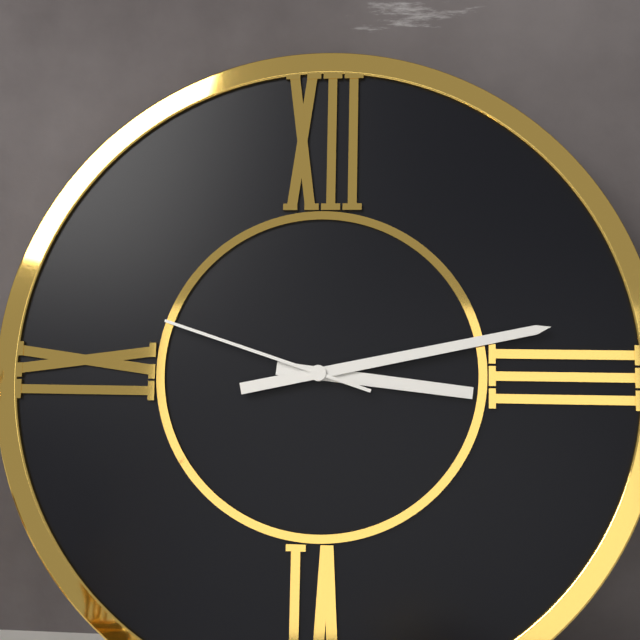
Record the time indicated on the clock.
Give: 3:13:48
